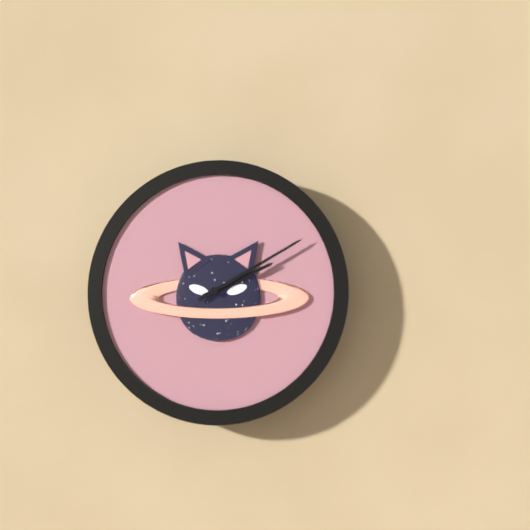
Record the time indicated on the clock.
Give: 2:10
